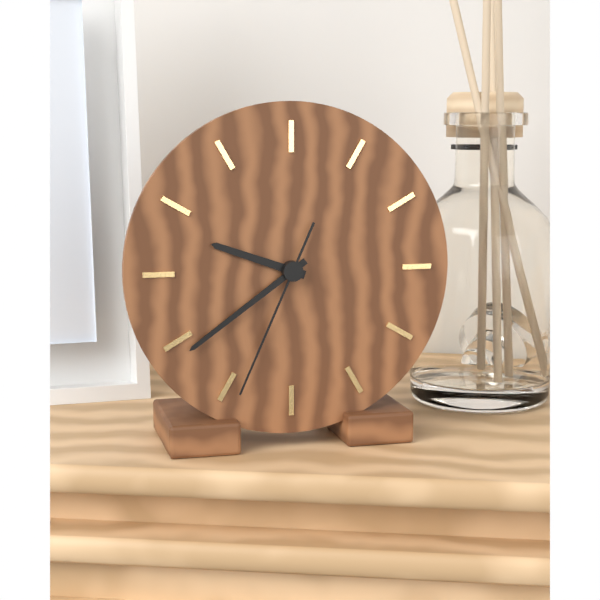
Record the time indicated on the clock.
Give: 9:39:34
